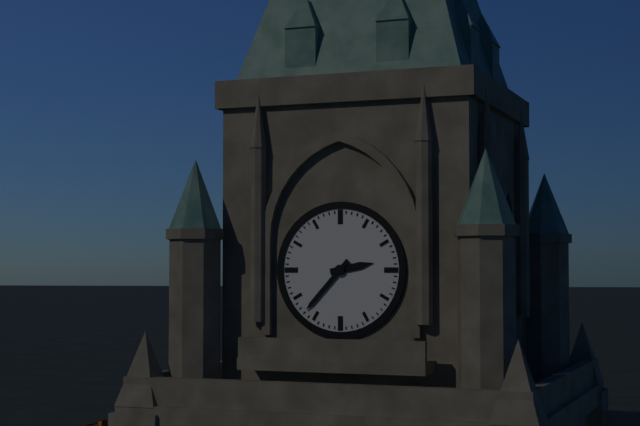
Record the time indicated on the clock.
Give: 2:37
